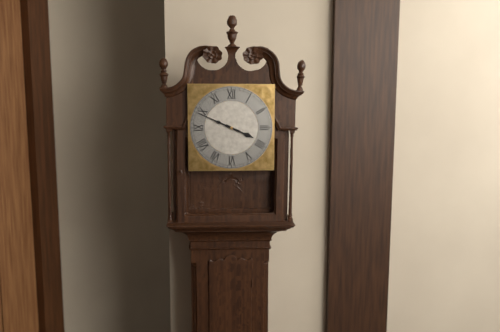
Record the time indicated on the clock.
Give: 3:49
